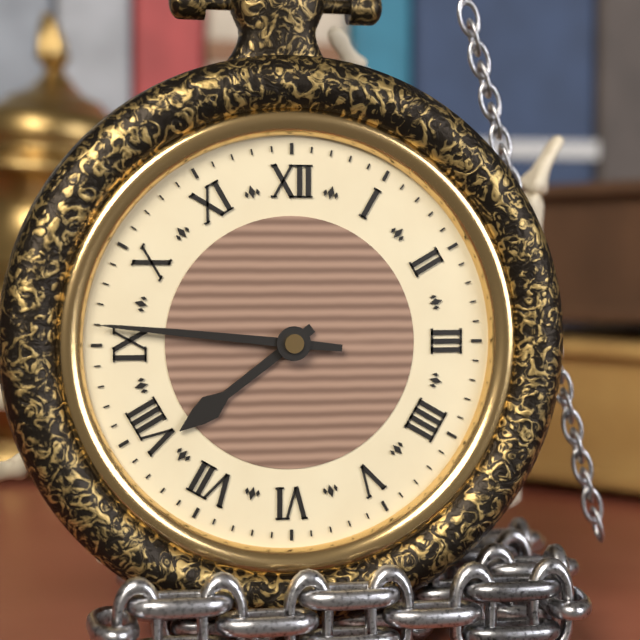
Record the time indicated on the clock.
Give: 7:46
